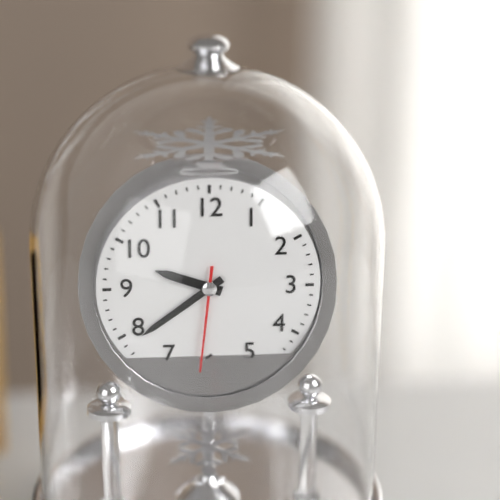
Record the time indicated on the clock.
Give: 9:39:31
